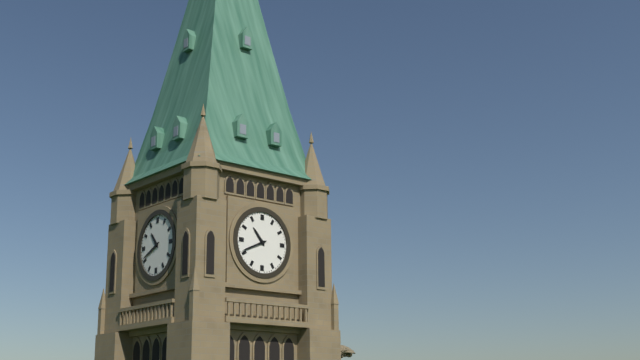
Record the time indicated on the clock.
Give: 10:41
